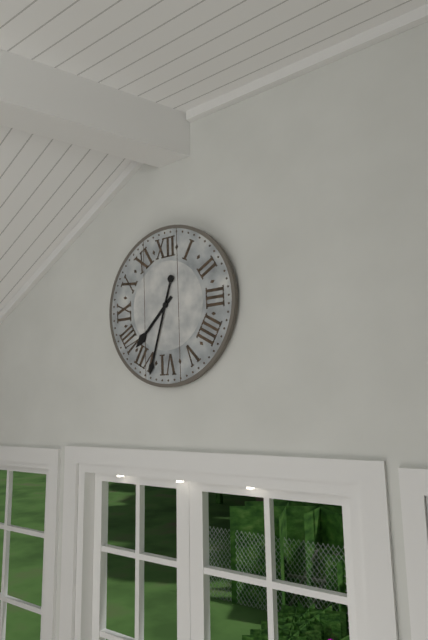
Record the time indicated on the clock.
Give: 7:33
